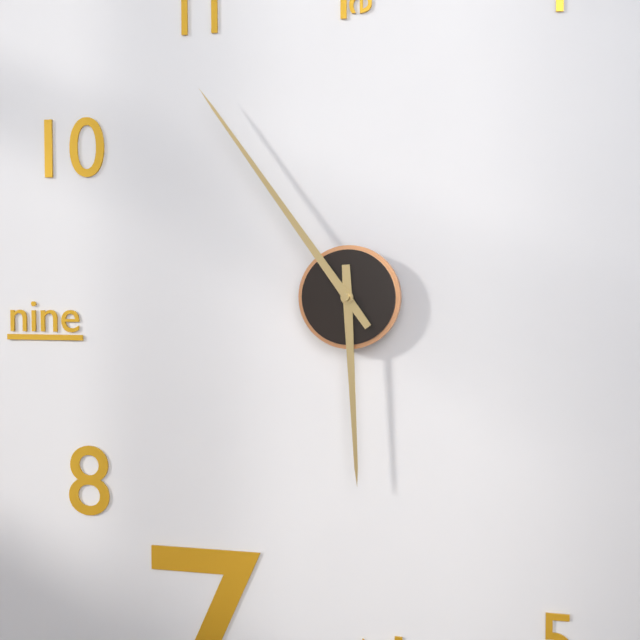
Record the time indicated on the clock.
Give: 5:54
